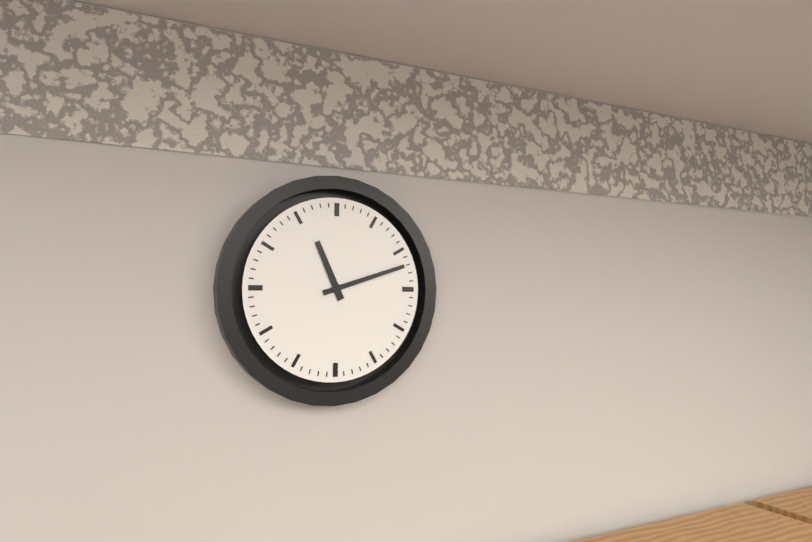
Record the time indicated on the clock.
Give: 11:12
